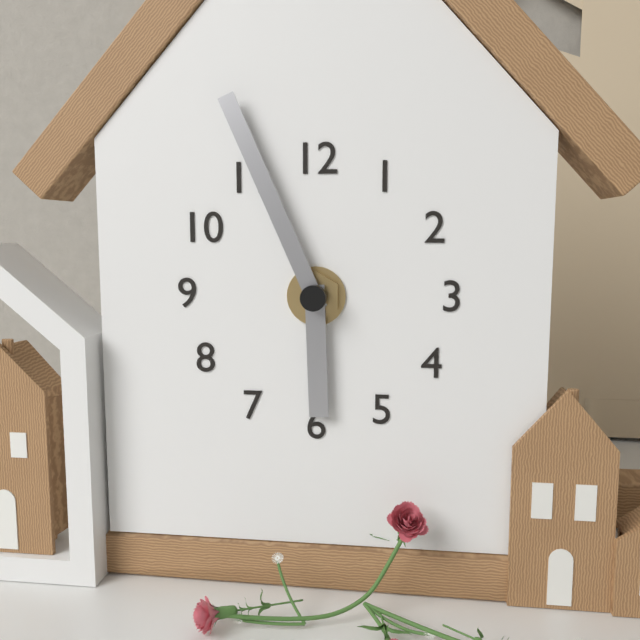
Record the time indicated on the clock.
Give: 5:56
